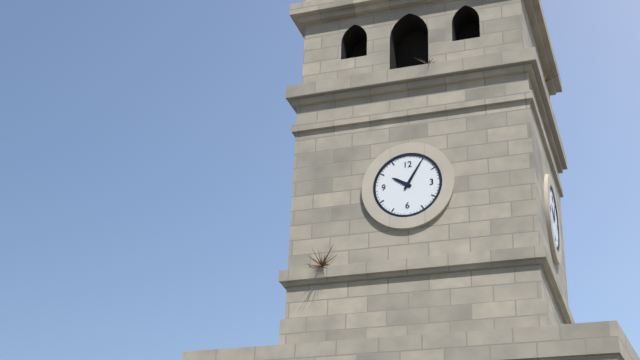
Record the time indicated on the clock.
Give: 10:05
